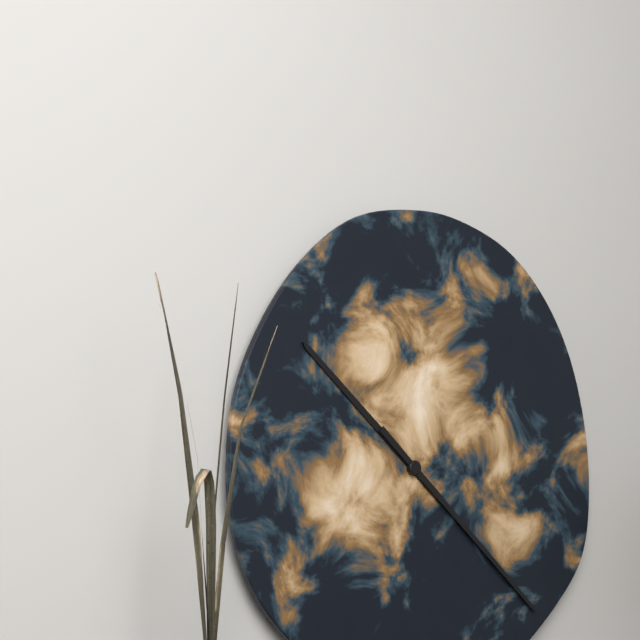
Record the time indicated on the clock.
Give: 10:22
